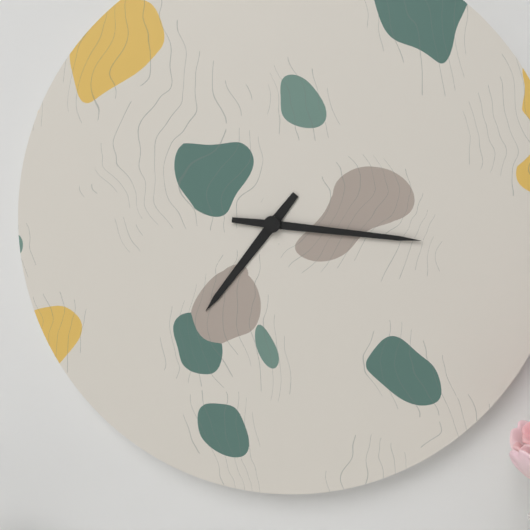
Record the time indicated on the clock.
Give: 7:16
